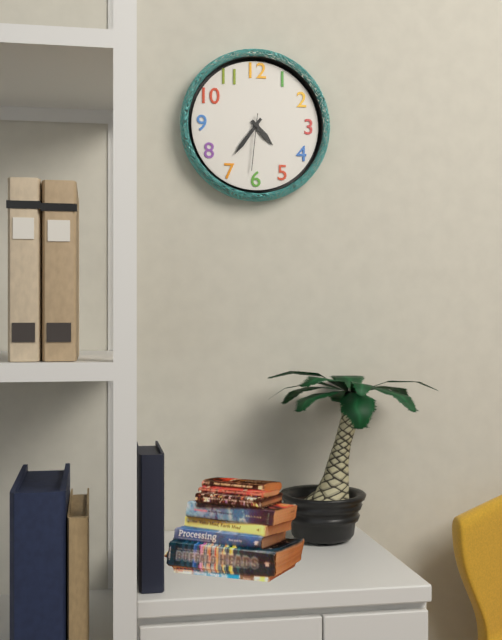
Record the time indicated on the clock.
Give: 4:36:31
